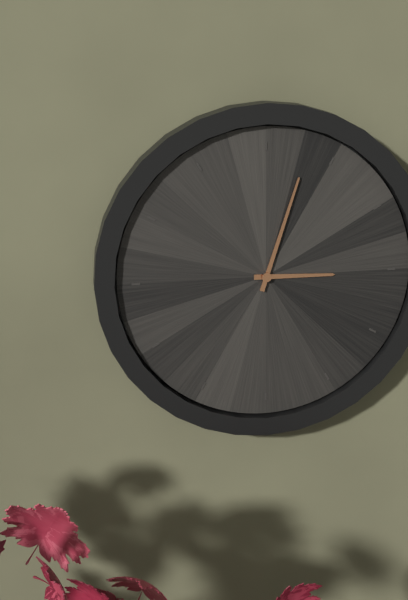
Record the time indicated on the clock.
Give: 3:03
